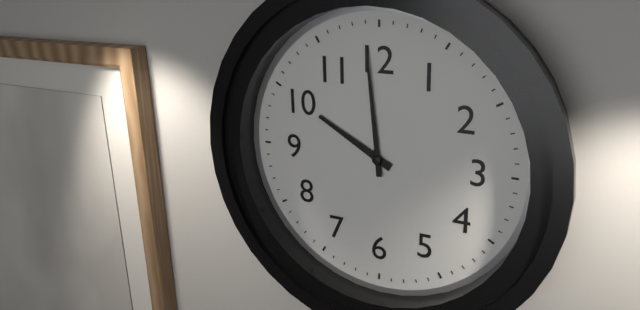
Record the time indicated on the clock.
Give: 9:59
